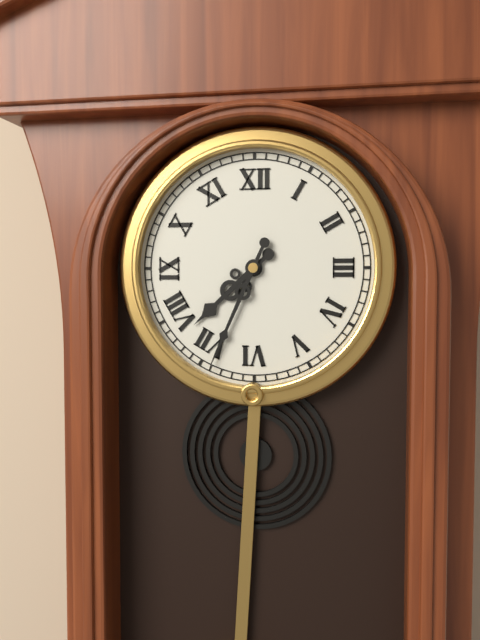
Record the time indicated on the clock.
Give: 7:34
